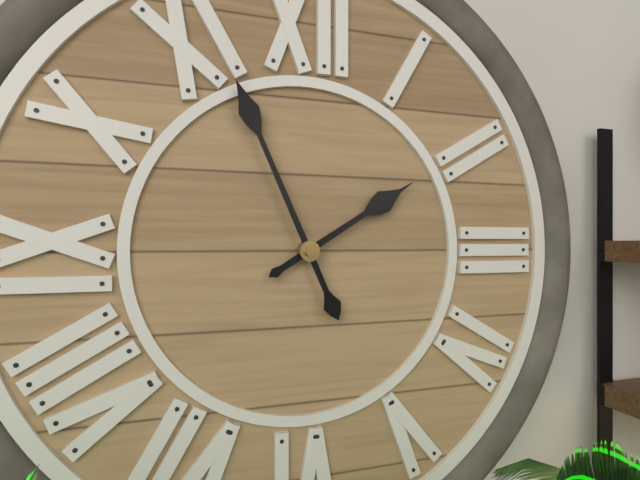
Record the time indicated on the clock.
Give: 1:56
